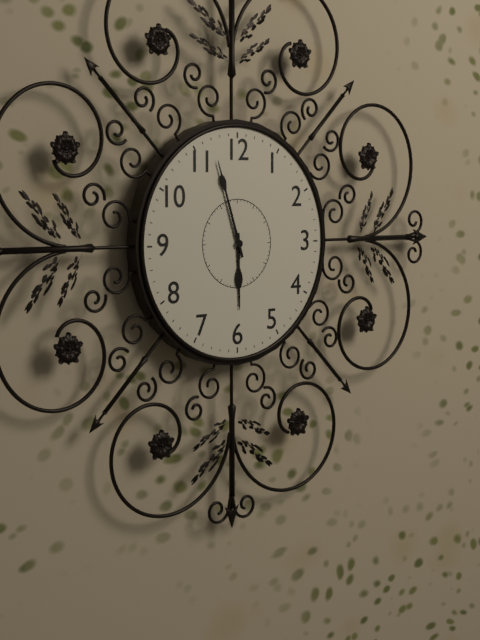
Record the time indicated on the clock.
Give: 5:57
